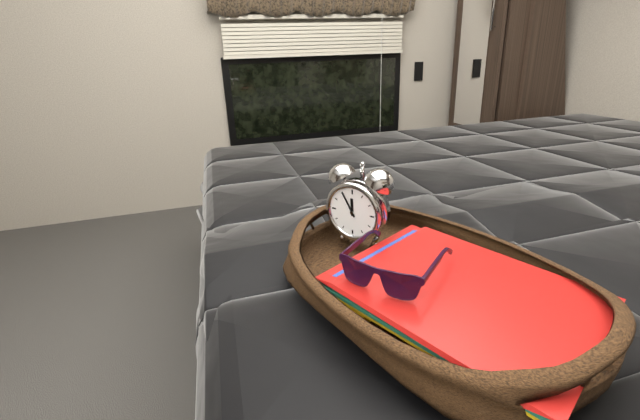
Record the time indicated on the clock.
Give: 11:55
